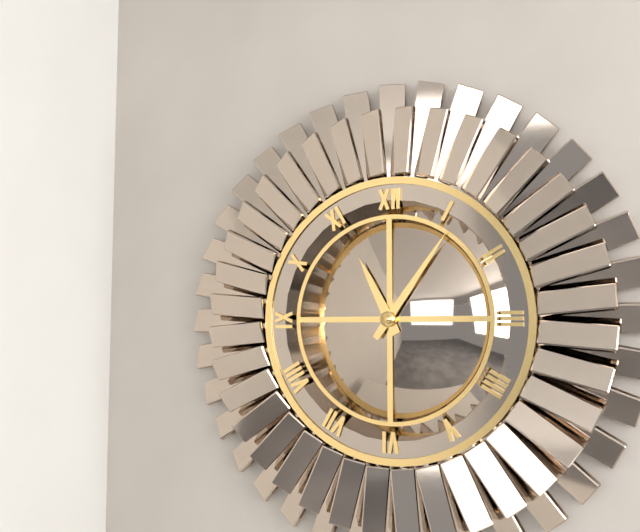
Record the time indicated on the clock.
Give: 11:06
